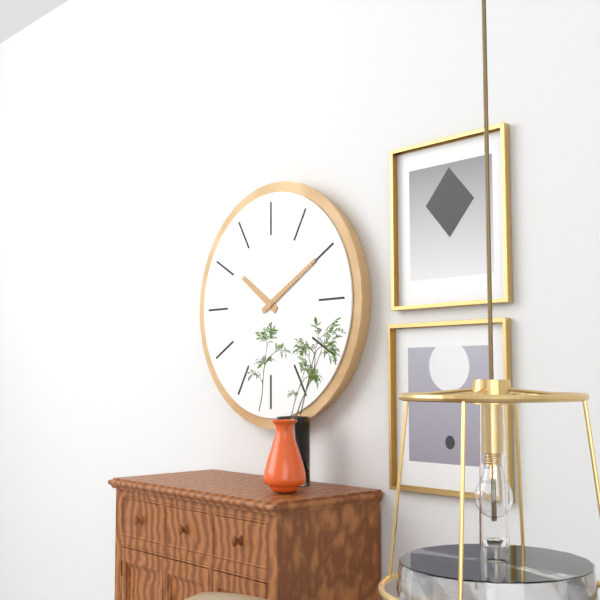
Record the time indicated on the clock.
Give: 10:10
